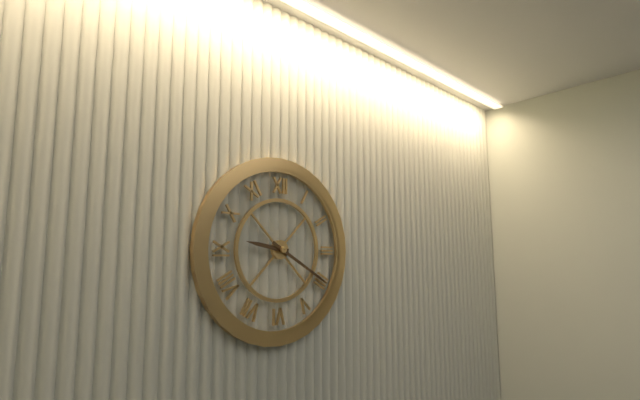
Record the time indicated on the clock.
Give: 9:20
